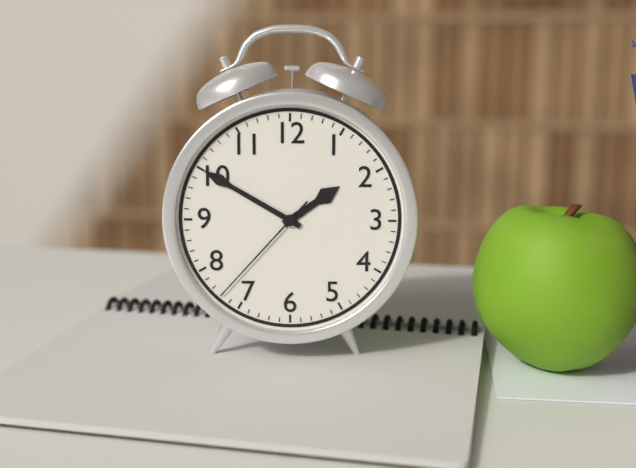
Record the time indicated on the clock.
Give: 1:50:37
